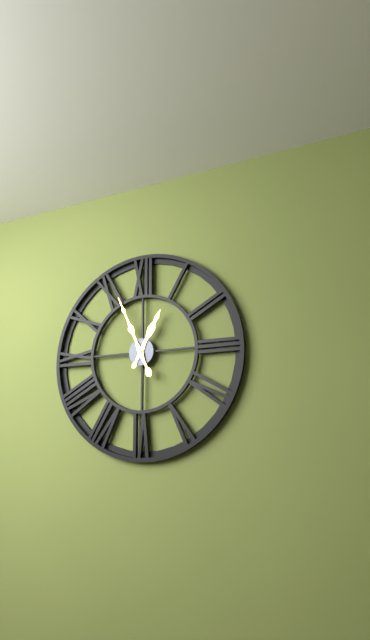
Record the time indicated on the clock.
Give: 12:56
